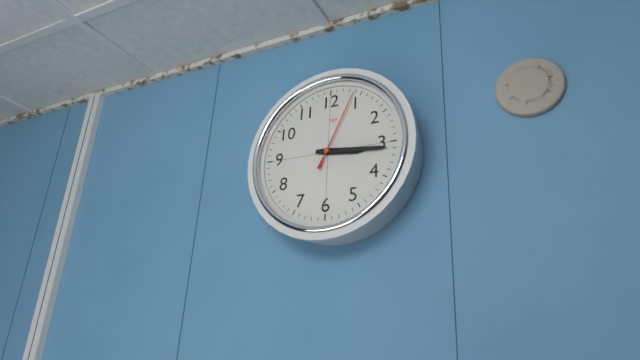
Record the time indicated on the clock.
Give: 3:16:04
